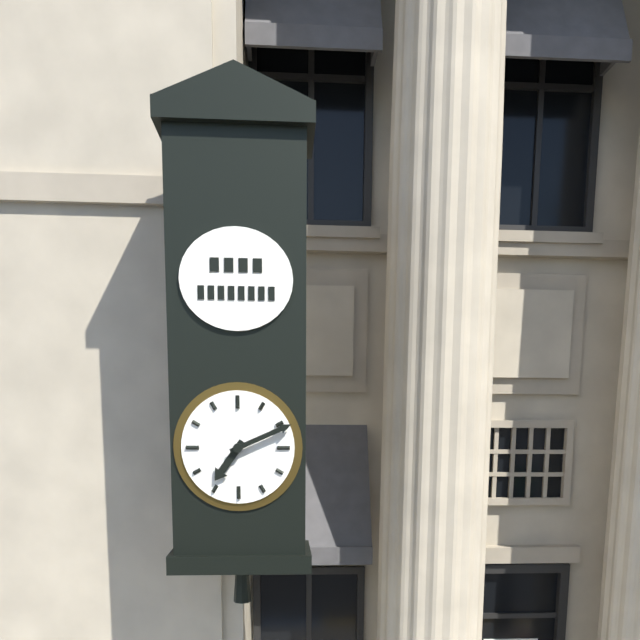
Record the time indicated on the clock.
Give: 7:11
